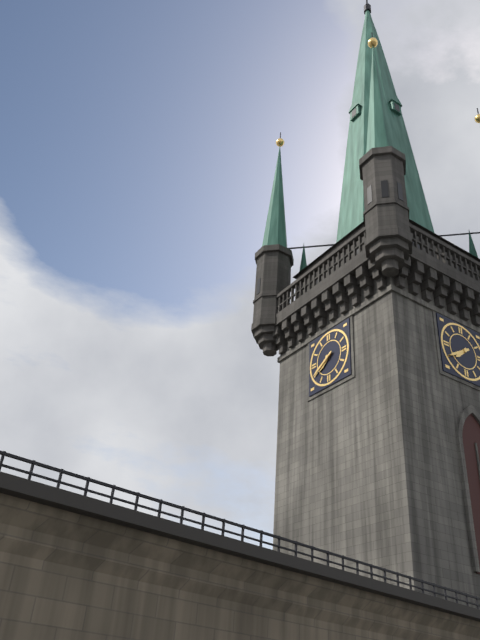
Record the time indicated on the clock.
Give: 7:40
